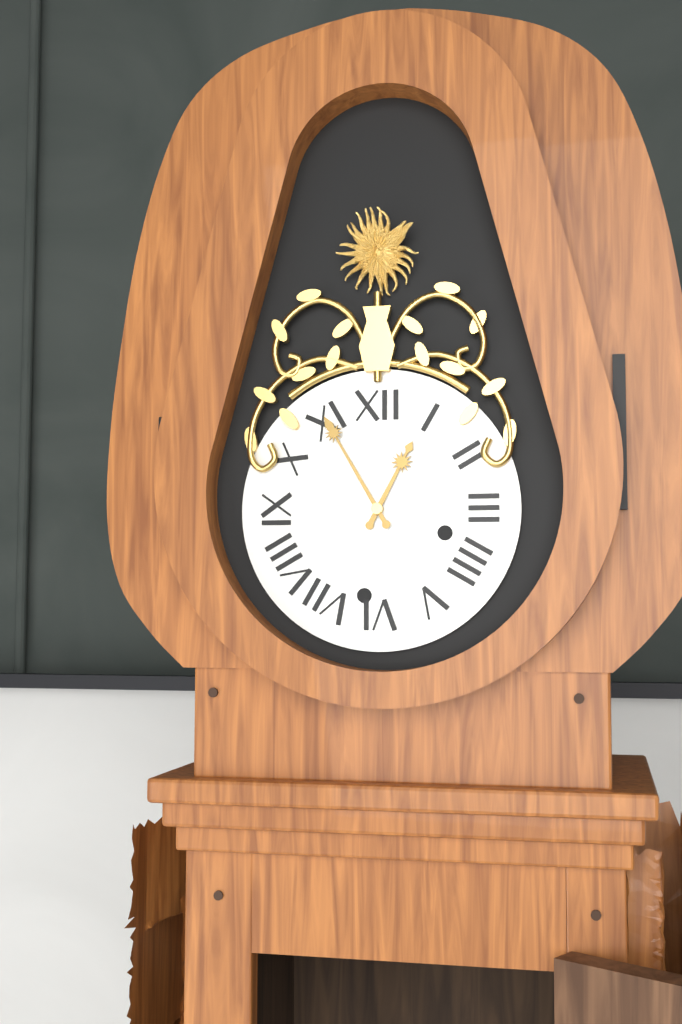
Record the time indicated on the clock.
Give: 12:55
